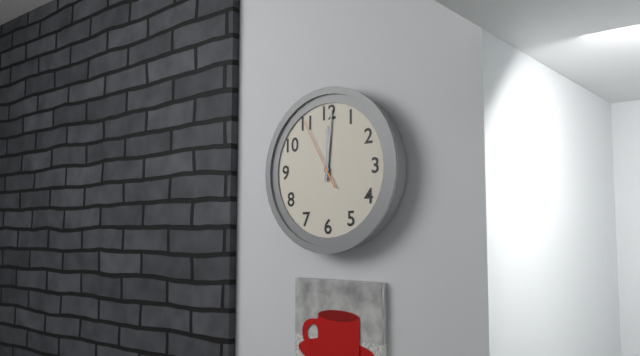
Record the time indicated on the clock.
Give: 12:01:55
